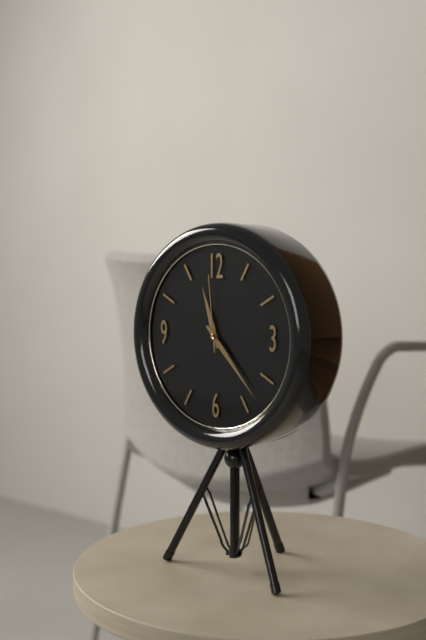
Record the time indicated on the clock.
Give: 11:23:59
